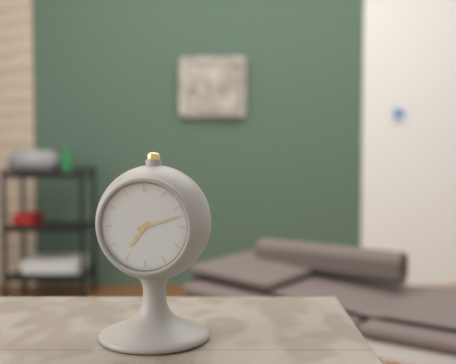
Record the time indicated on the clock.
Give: 7:12
